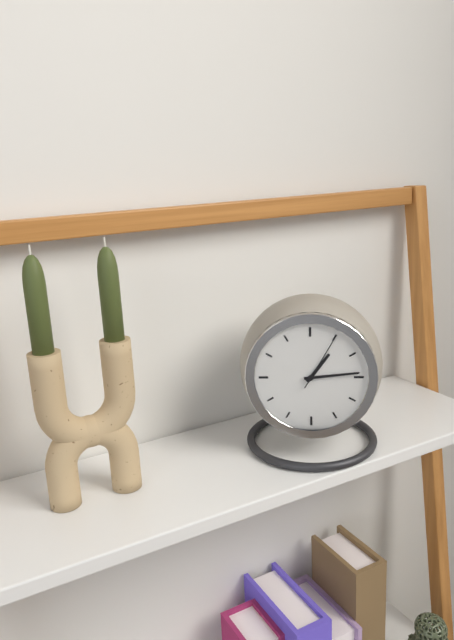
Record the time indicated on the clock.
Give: 1:14:05
